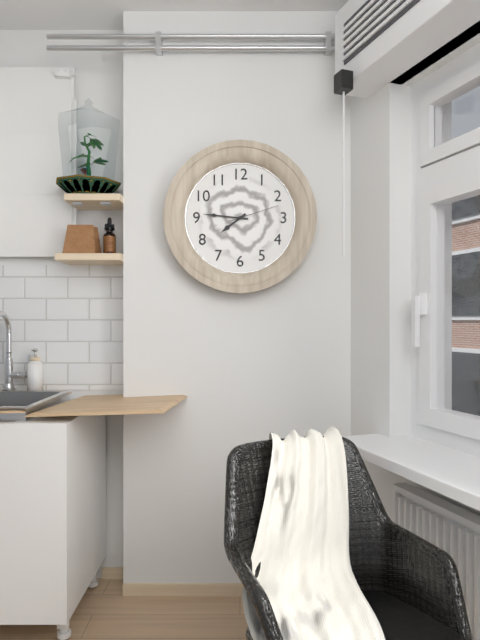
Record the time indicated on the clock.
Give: 7:46
